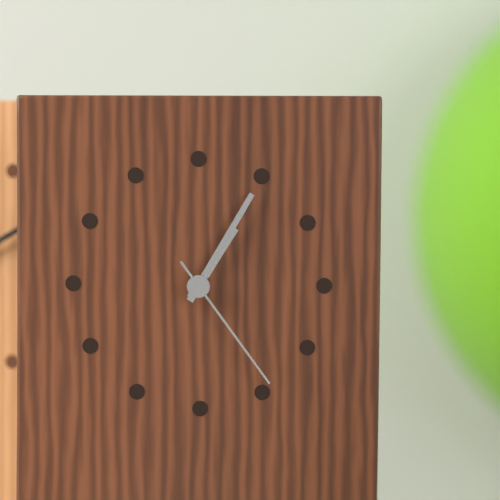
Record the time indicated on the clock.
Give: 1:05:24
